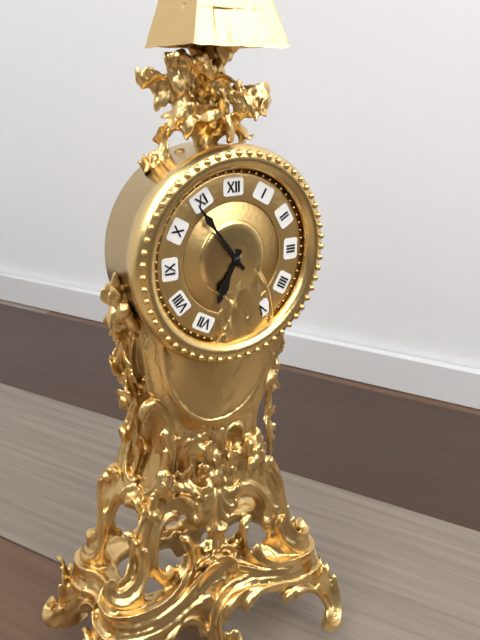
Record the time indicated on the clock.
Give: 6:54
